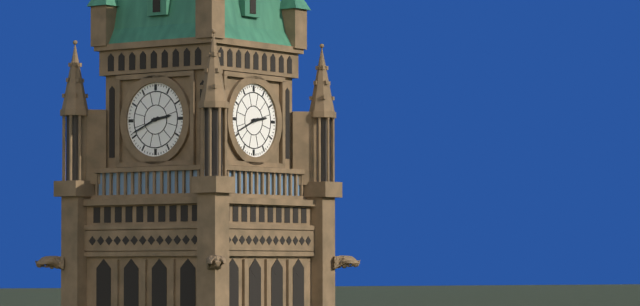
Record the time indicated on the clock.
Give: 2:41
